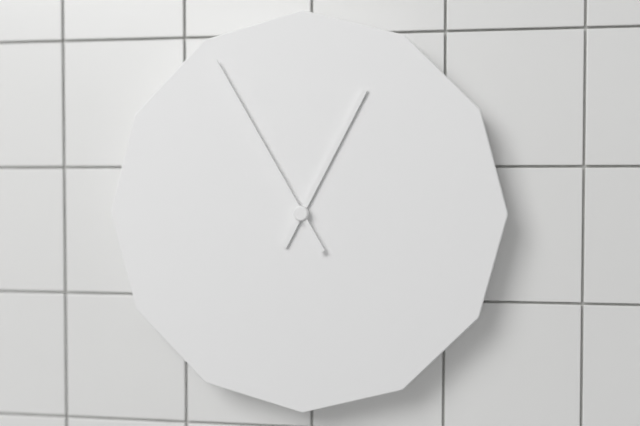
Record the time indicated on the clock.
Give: 12:55
